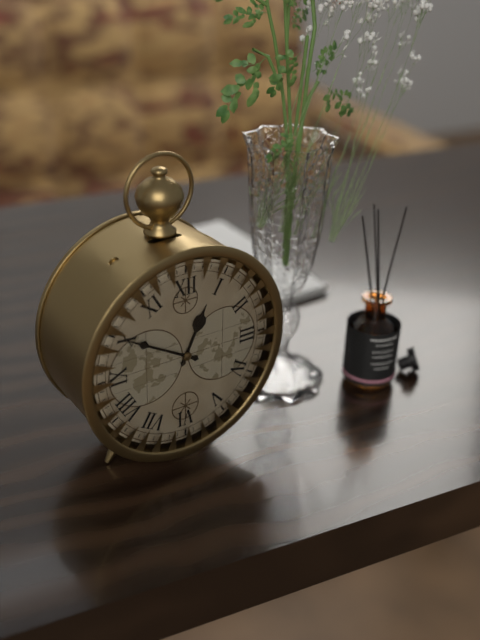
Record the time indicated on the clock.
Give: 12:50
